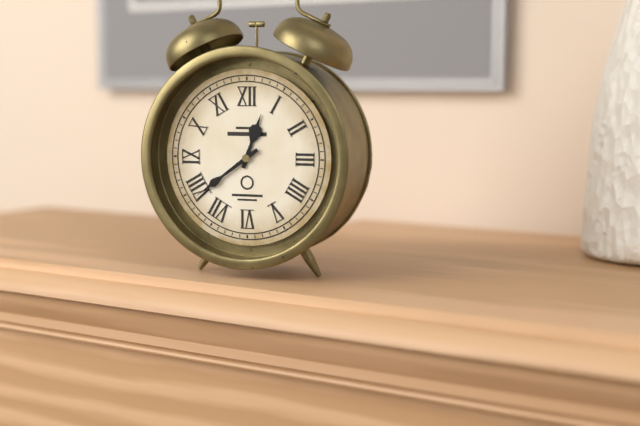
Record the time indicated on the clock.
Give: 12:39
